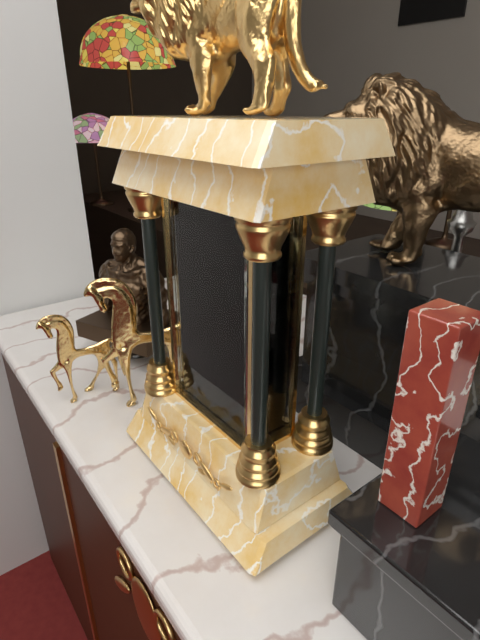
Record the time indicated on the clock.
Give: 12:21
